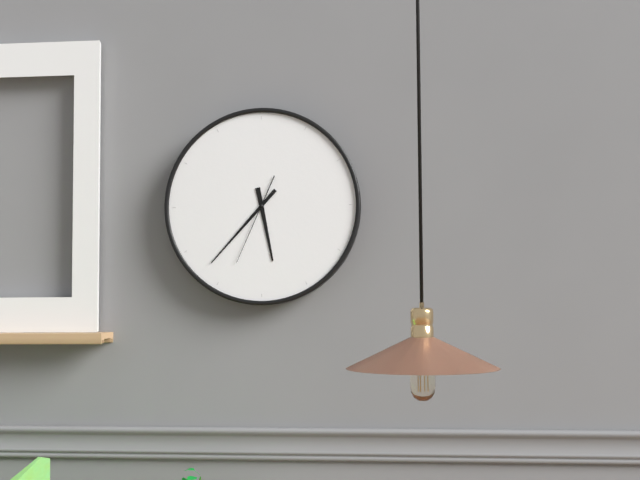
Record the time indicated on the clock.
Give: 5:37:34
